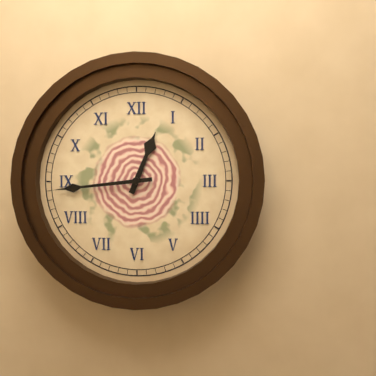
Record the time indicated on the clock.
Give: 12:44
